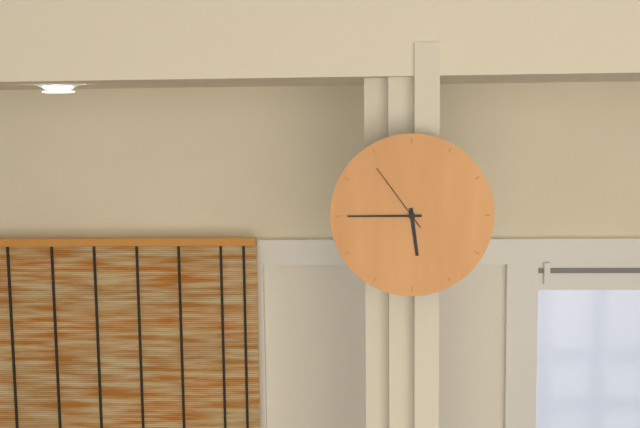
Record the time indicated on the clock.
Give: 5:45:54
